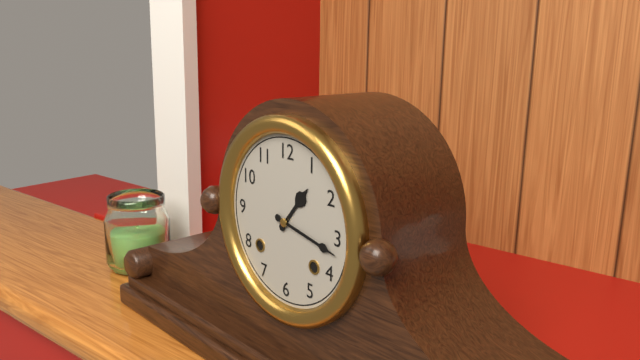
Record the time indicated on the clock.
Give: 1:17
